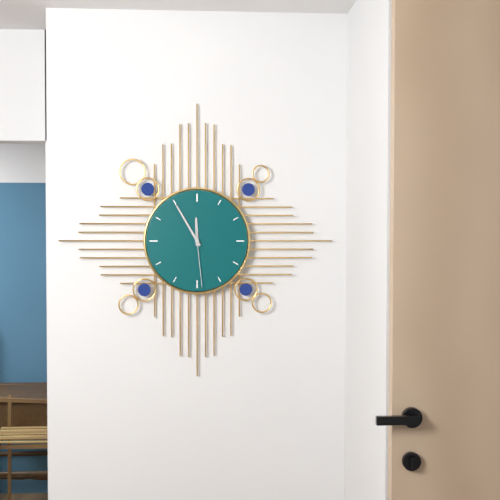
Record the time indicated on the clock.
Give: 11:55:29
